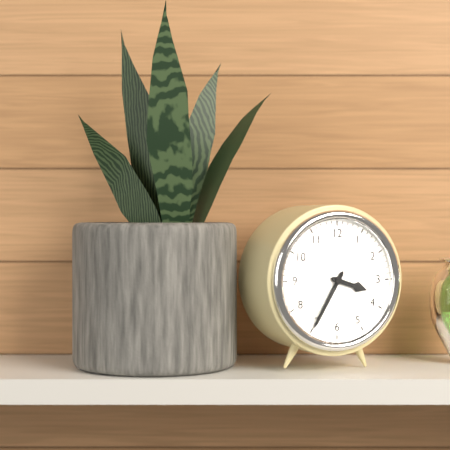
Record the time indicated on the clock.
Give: 3:35
